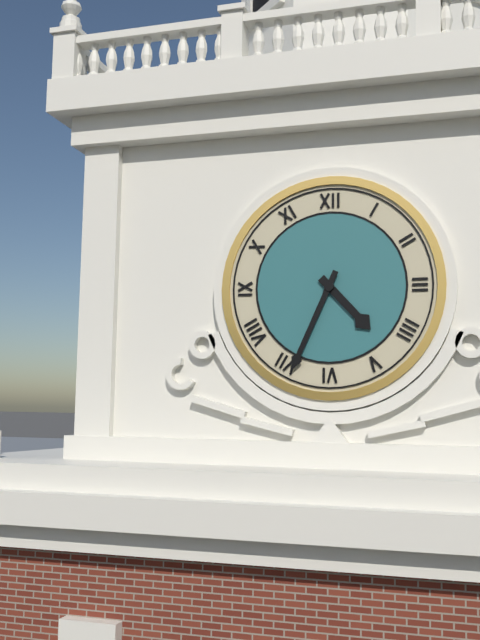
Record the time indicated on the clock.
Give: 4:34
